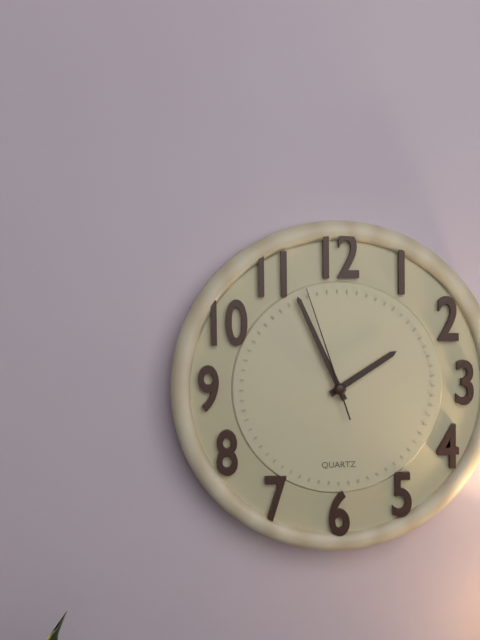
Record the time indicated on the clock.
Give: 1:56:57
